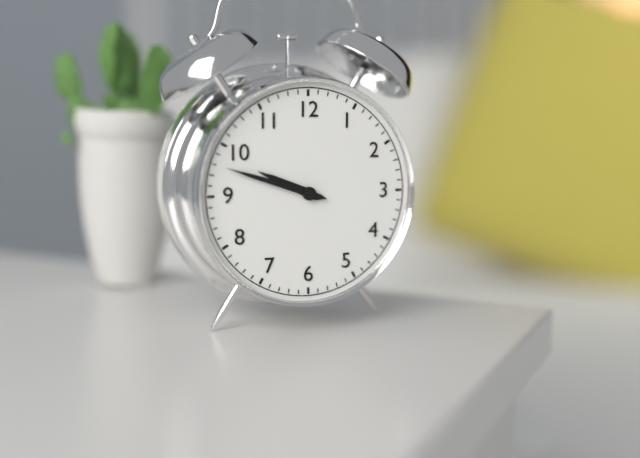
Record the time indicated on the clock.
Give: 9:48
